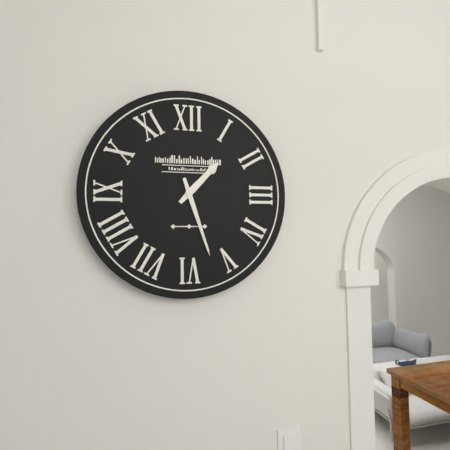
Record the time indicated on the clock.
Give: 1:27
